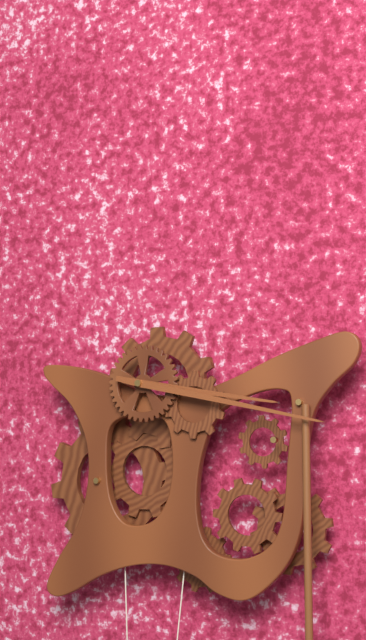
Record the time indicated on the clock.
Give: 3:17
